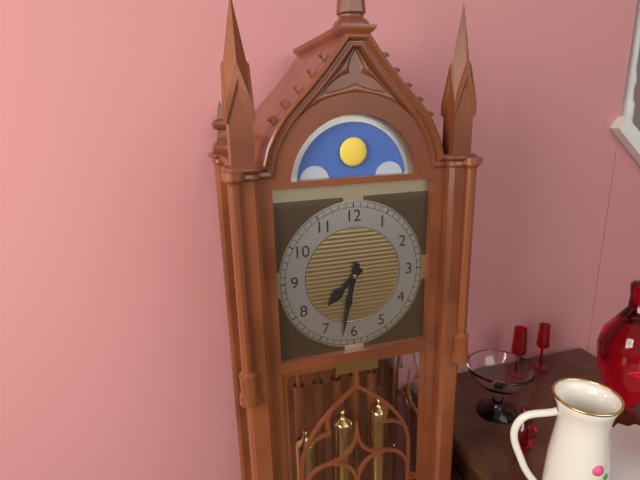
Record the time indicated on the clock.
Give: 7:32
